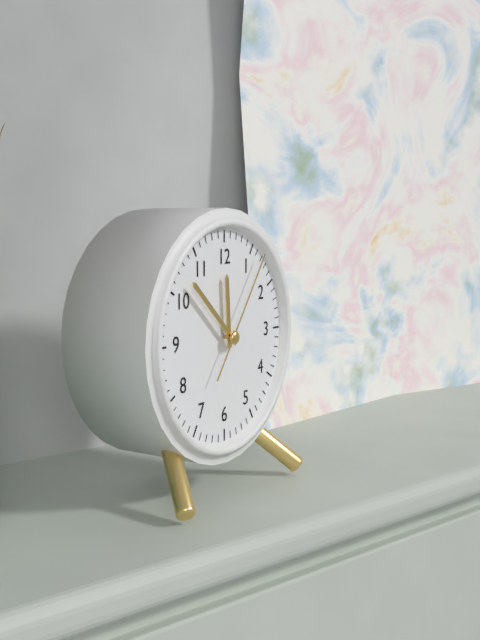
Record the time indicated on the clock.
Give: 11:52:06
